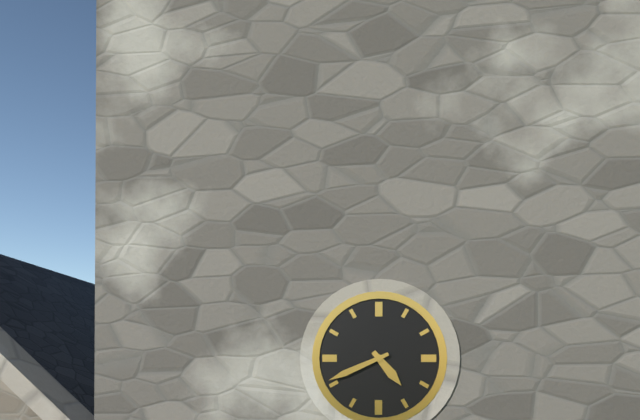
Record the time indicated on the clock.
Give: 4:41
